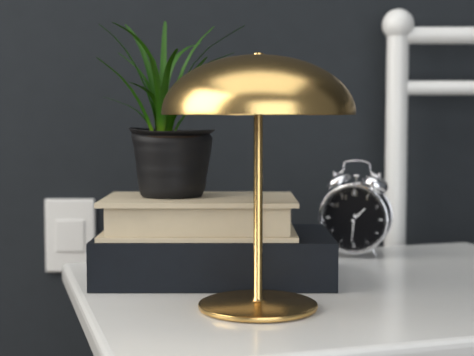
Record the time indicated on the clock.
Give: 1:31
